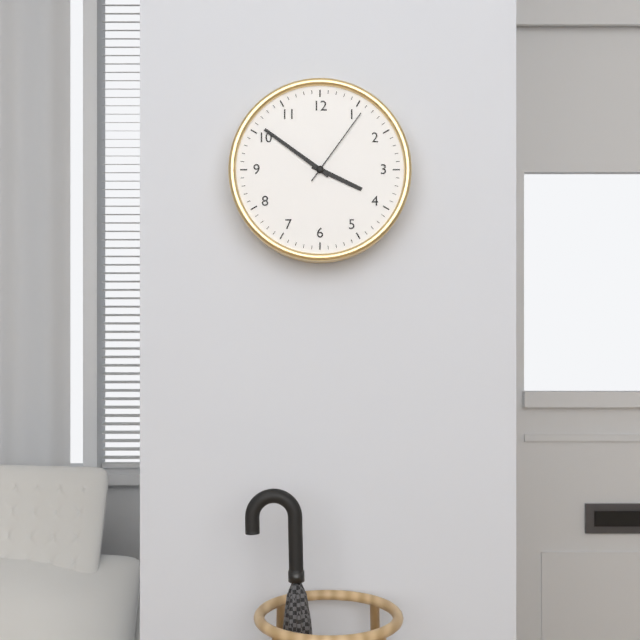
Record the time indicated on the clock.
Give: 3:51:06
